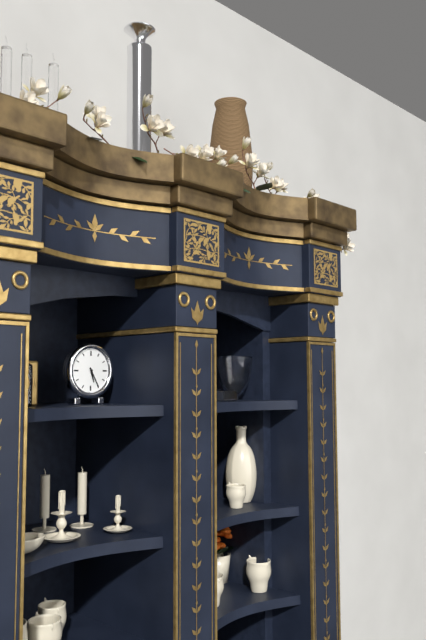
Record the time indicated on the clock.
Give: 5:25
